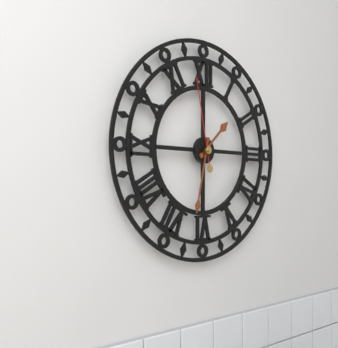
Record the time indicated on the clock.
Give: 1:32:58
